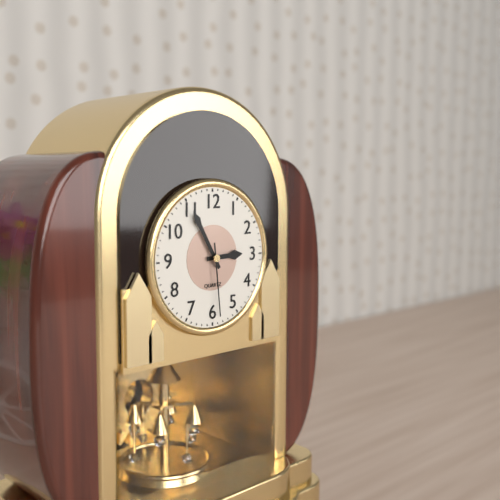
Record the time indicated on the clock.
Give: 2:55:29
